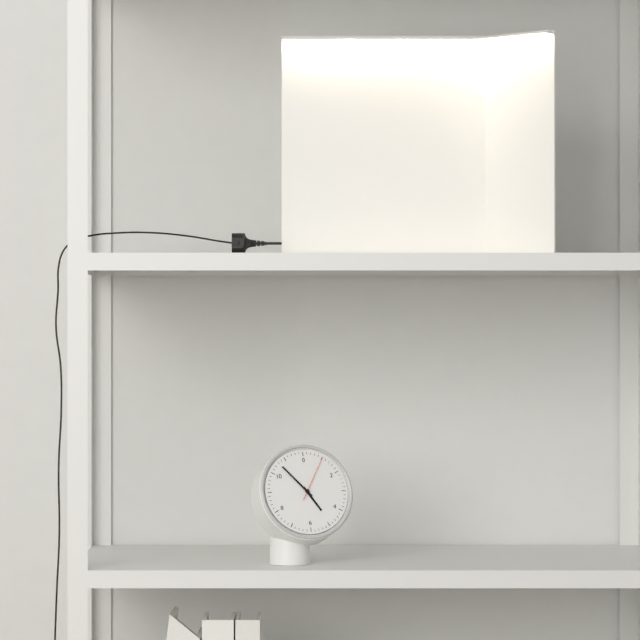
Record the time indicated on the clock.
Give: 4:53
